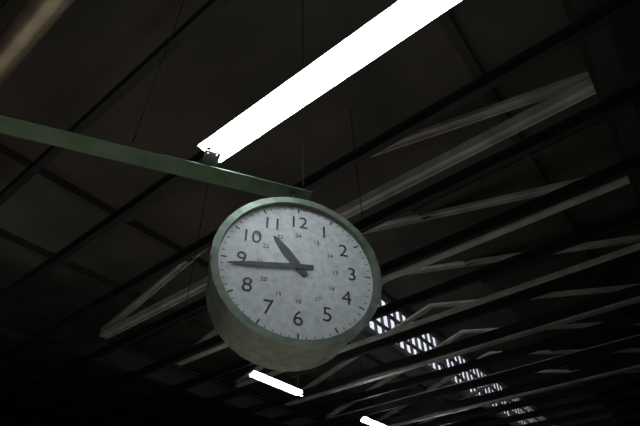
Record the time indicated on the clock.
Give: 10:44
